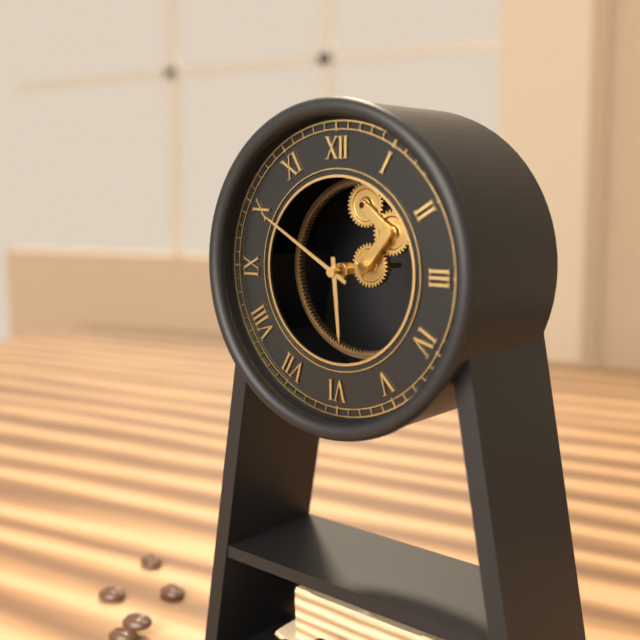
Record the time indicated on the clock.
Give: 5:50
